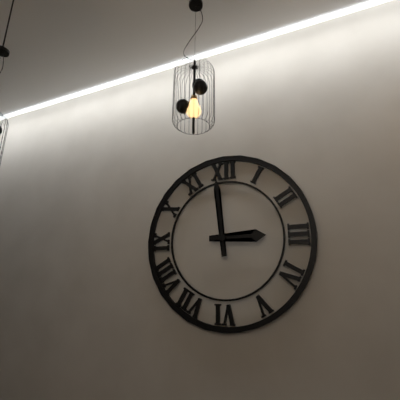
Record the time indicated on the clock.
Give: 2:59
